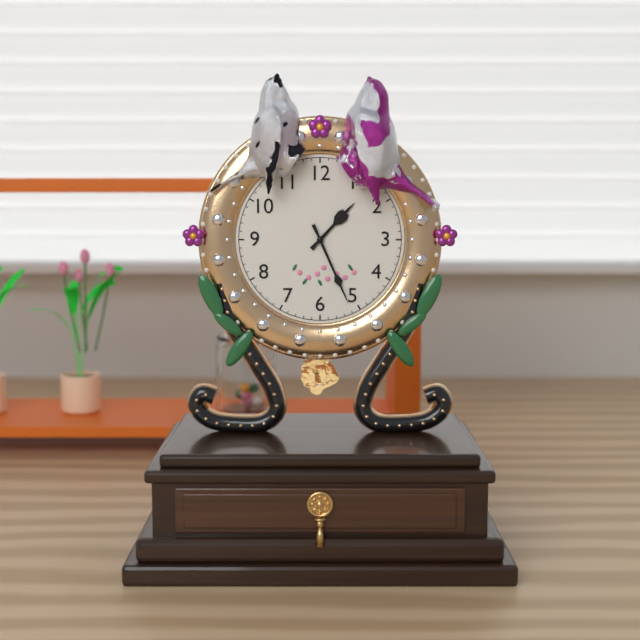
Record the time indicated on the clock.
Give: 1:26
